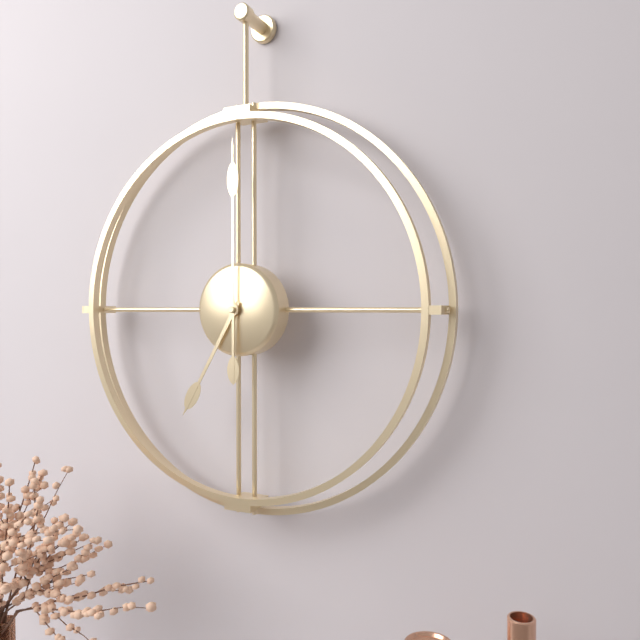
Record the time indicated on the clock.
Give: 7:00
